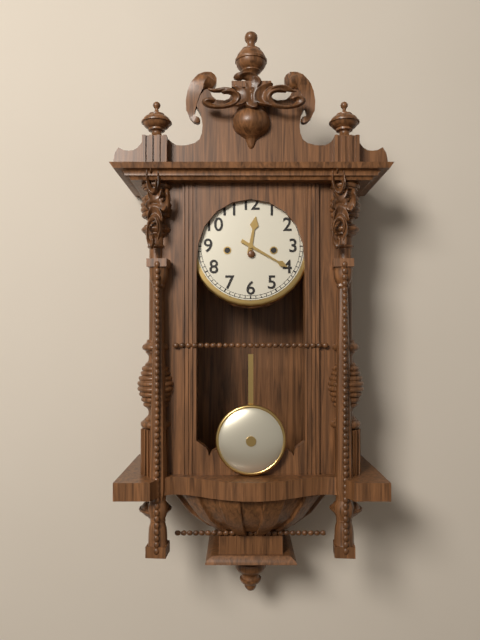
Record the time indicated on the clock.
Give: 12:20
